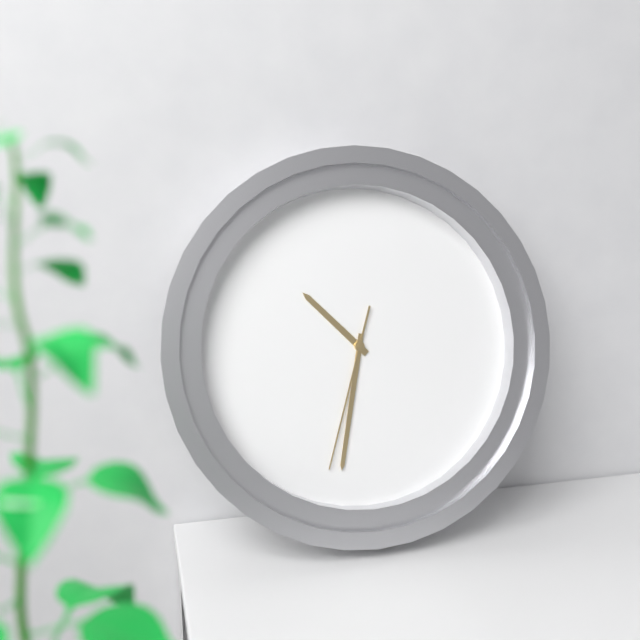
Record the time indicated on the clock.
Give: 10:32:33
